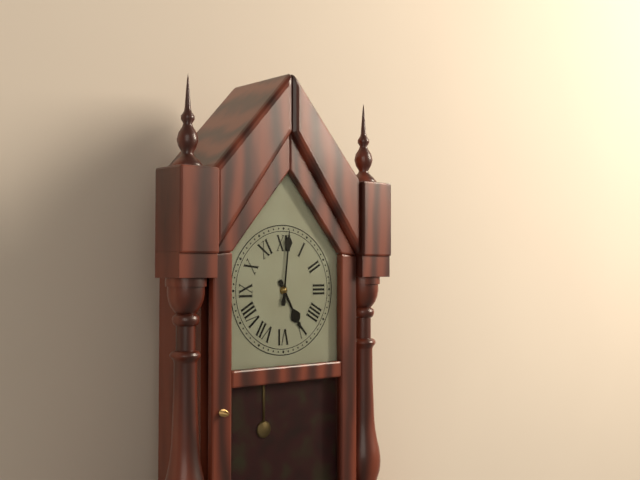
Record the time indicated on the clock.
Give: 5:01
